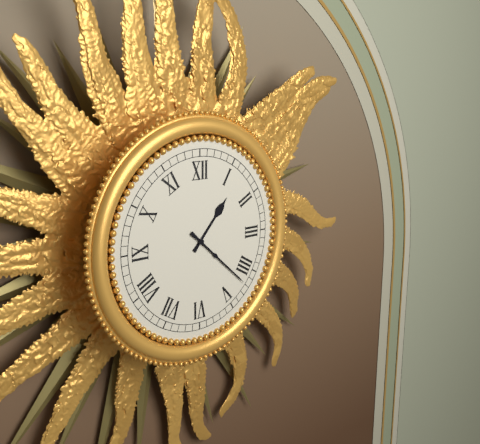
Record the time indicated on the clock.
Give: 1:22
